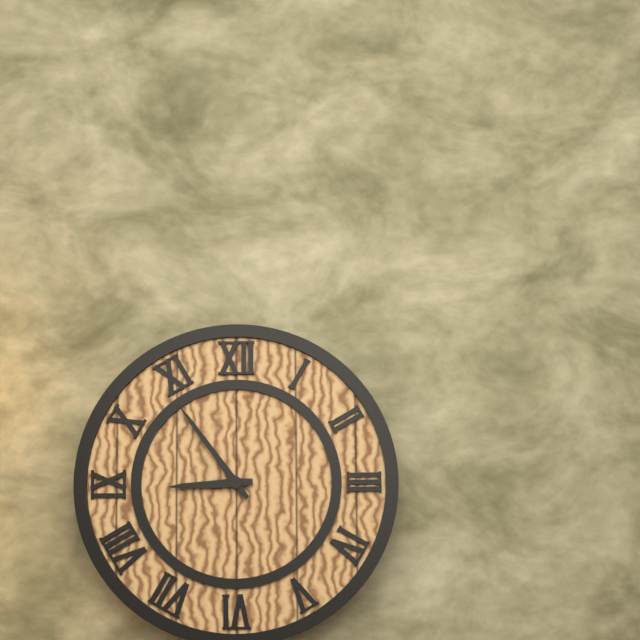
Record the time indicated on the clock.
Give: 8:54
